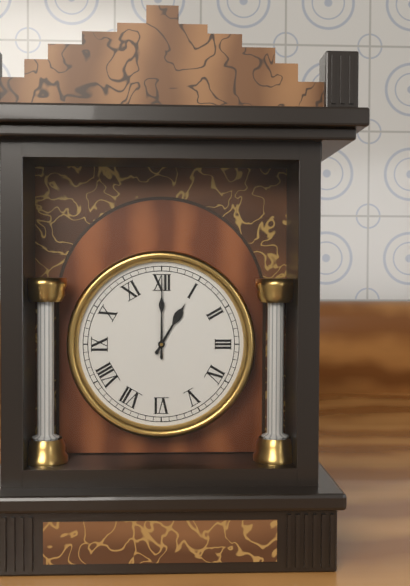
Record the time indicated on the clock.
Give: 1:00
